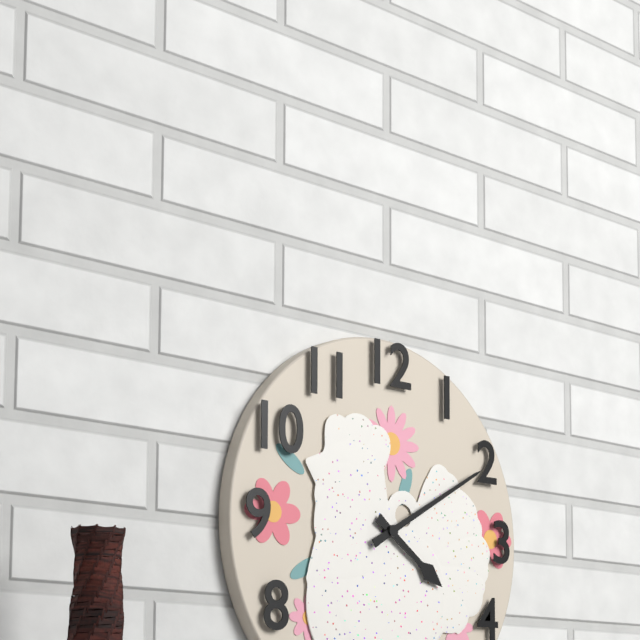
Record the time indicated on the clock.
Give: 4:10
